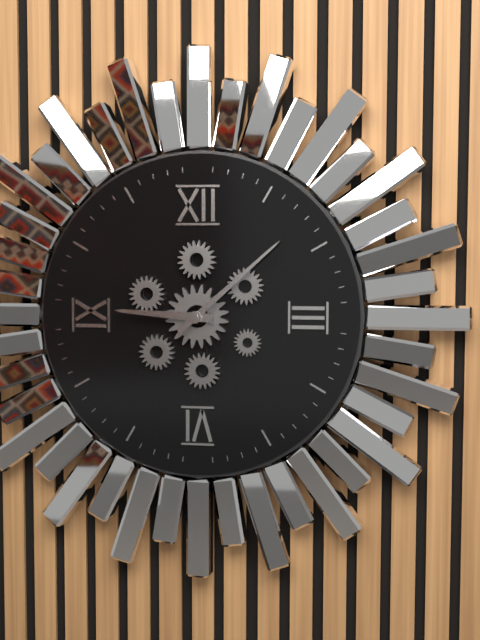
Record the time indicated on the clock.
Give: 9:08
